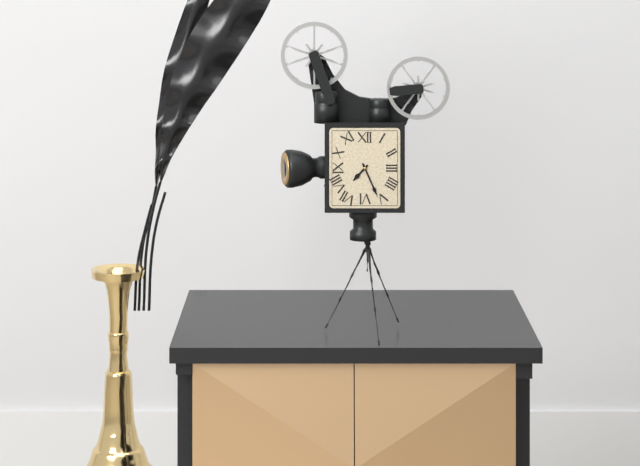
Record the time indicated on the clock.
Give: 7:26
